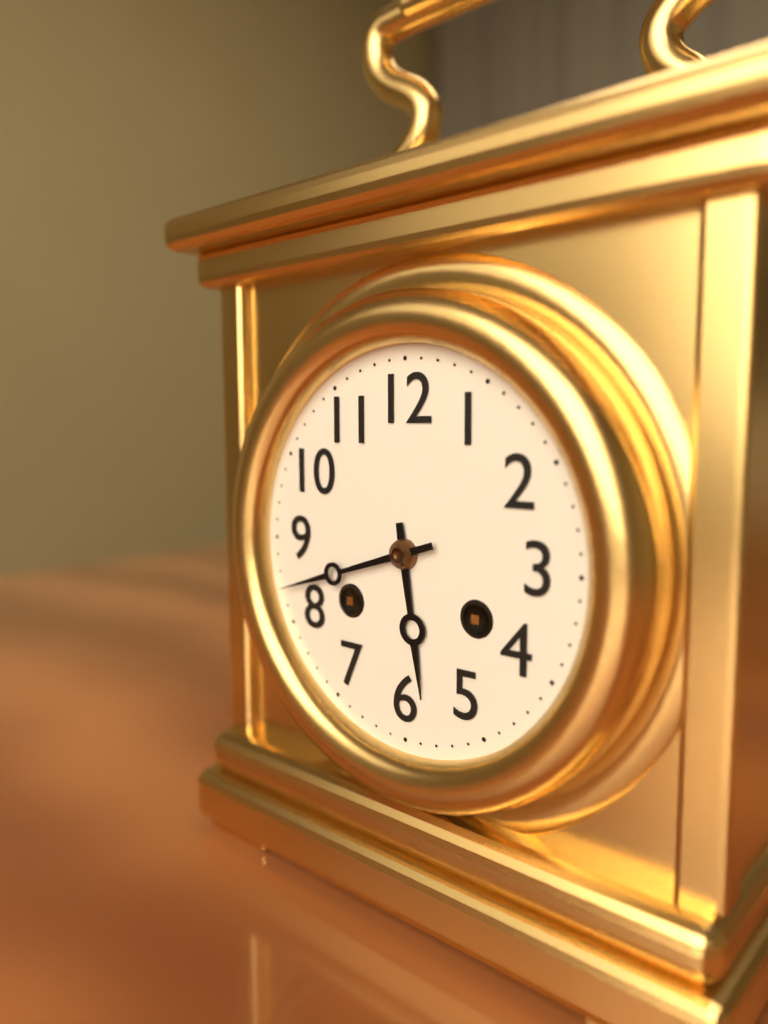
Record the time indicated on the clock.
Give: 5:42
